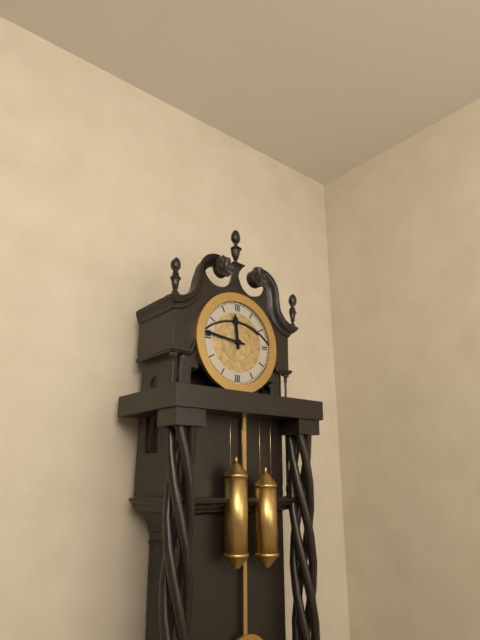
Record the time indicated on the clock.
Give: 11:46
